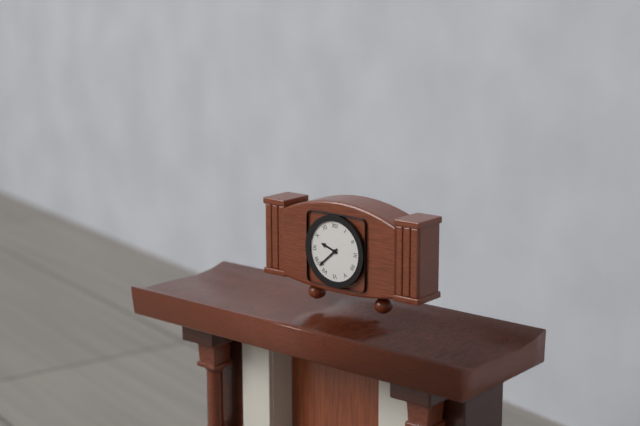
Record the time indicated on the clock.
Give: 9:38
